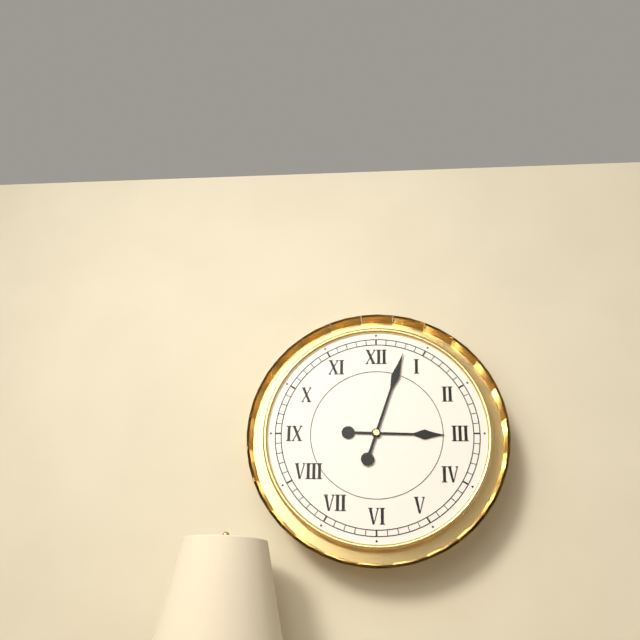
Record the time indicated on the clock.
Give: 3:03
